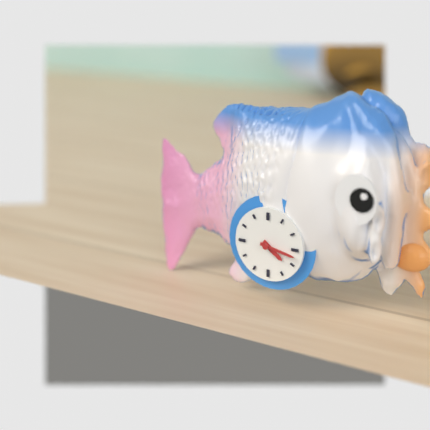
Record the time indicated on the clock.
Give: 4:17
